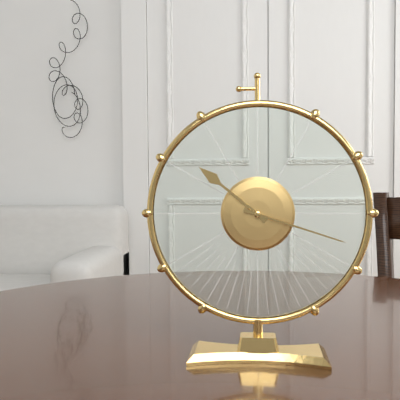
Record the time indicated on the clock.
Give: 10:18
